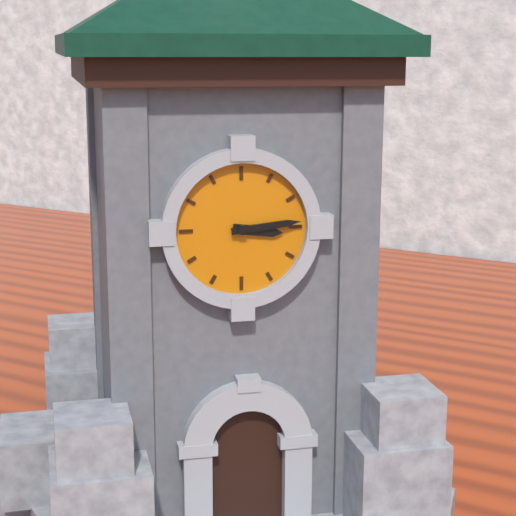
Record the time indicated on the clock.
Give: 3:14
